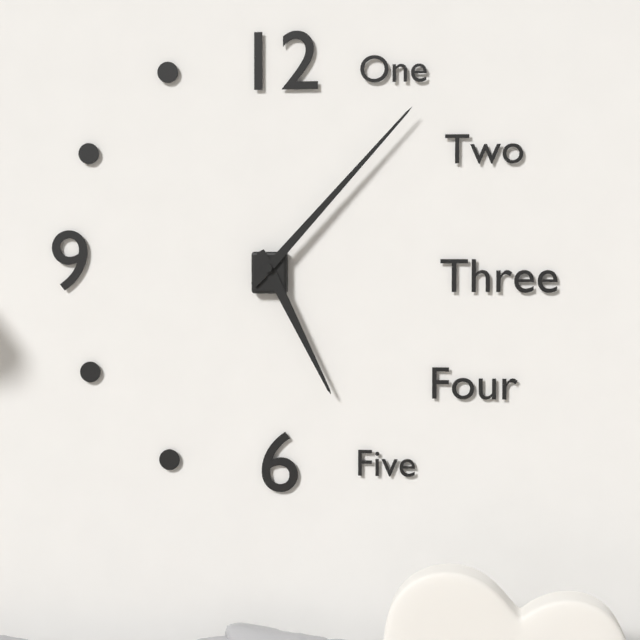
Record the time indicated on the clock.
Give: 5:07
